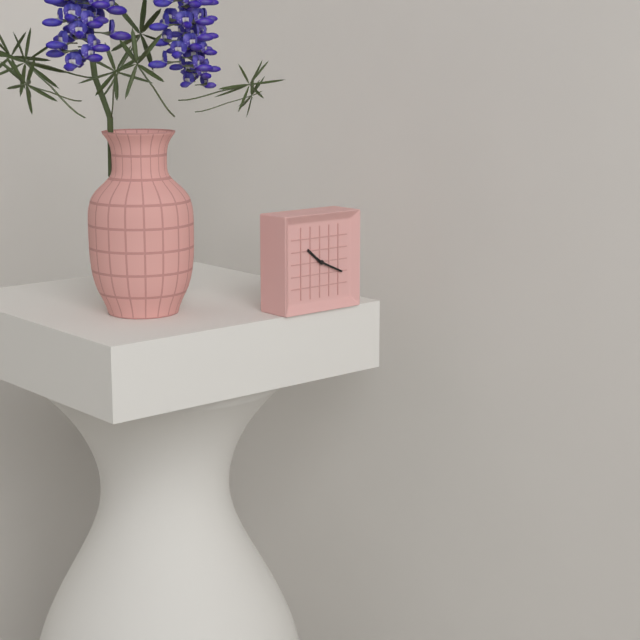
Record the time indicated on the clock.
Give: 10:19
